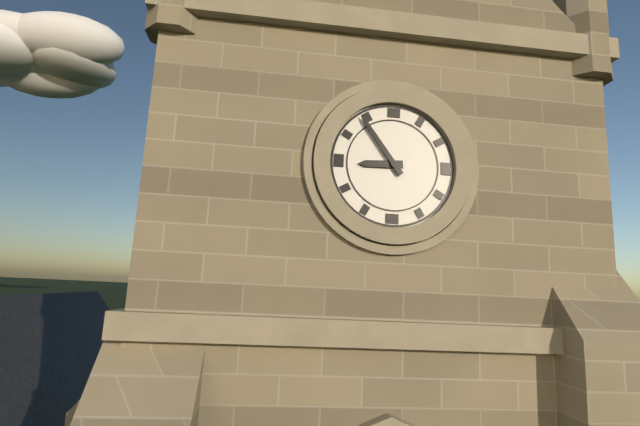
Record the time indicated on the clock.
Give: 8:54
